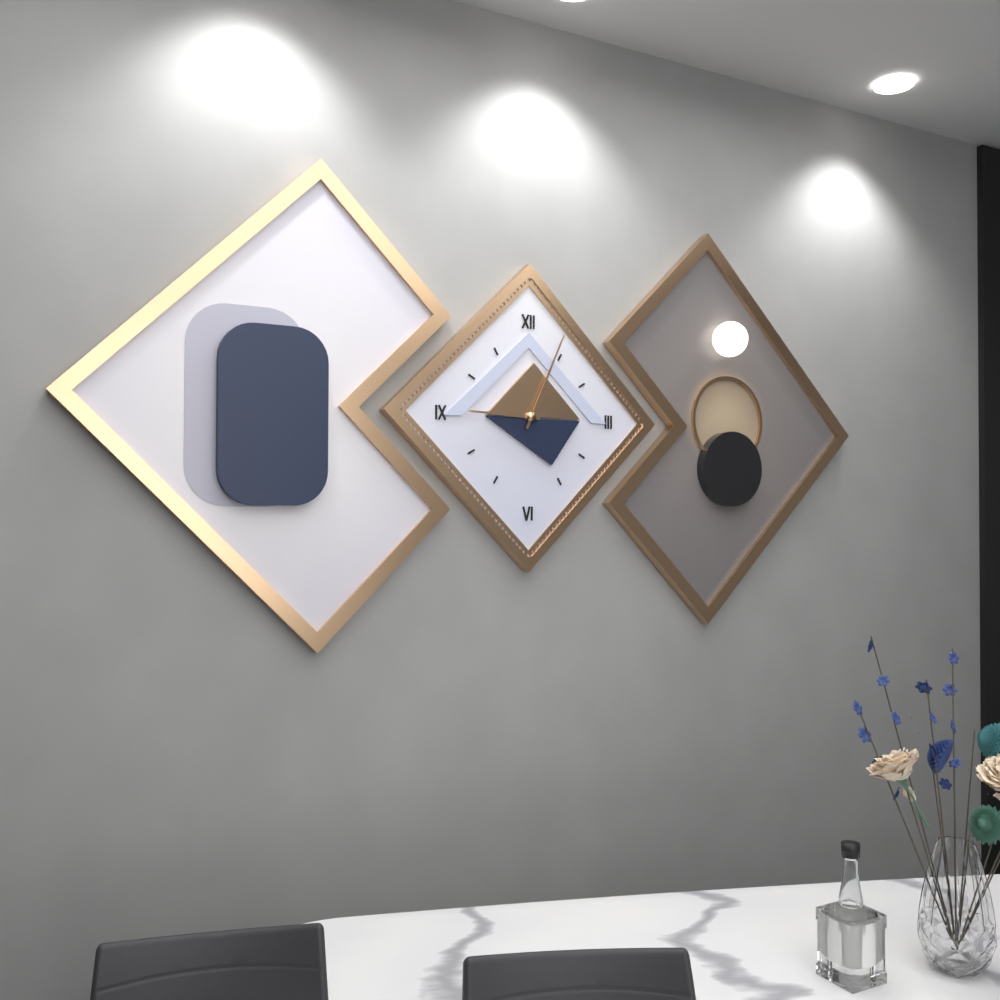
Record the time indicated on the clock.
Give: 9:04
